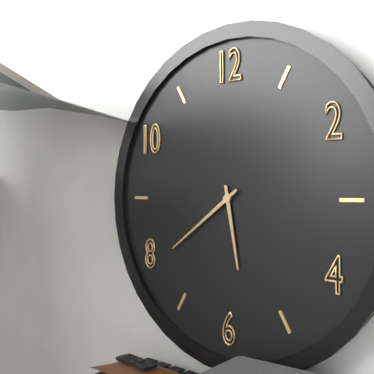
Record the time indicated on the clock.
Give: 5:39
